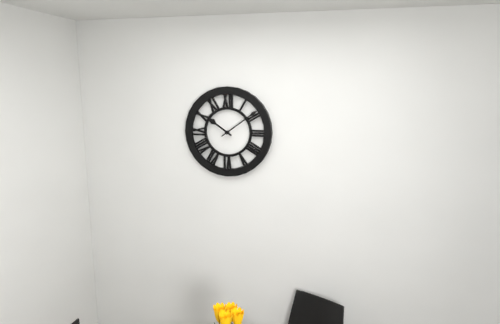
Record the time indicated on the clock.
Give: 10:09
